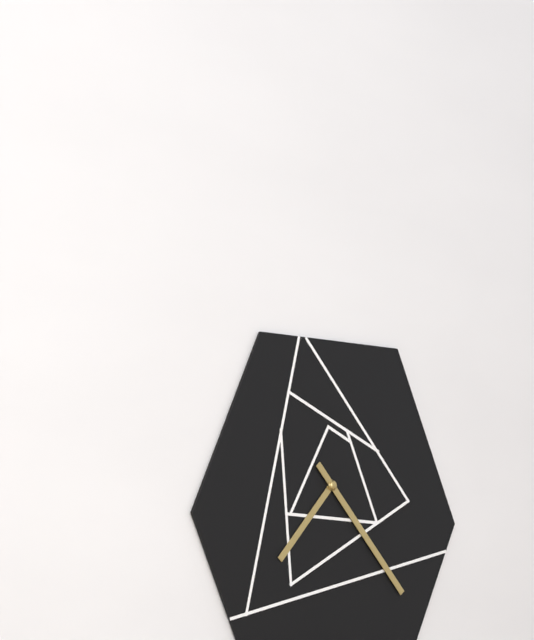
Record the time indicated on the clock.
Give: 7:23
